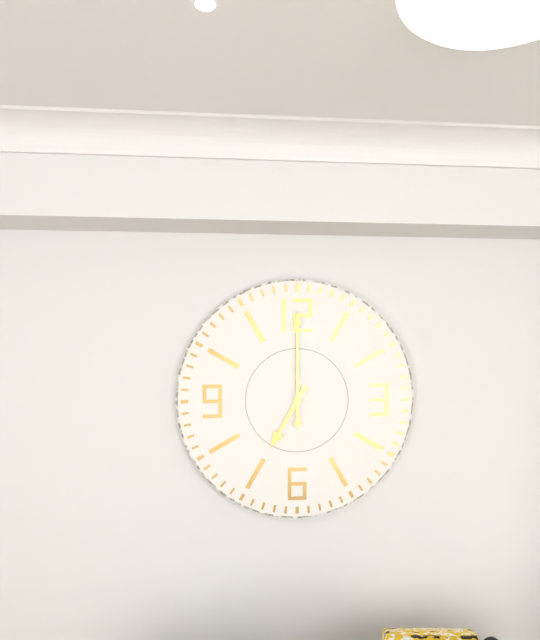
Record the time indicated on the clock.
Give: 7:00
